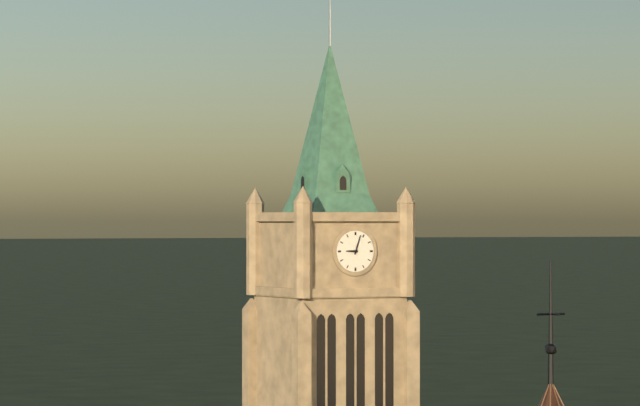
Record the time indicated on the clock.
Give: 9:03
